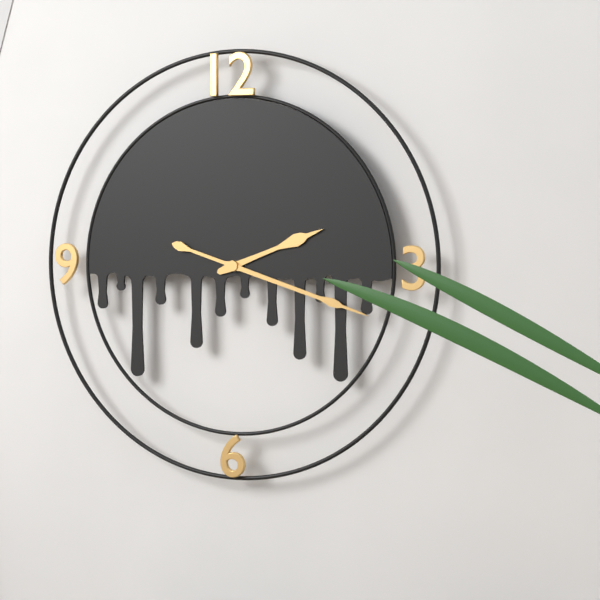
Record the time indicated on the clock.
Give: 2:18
